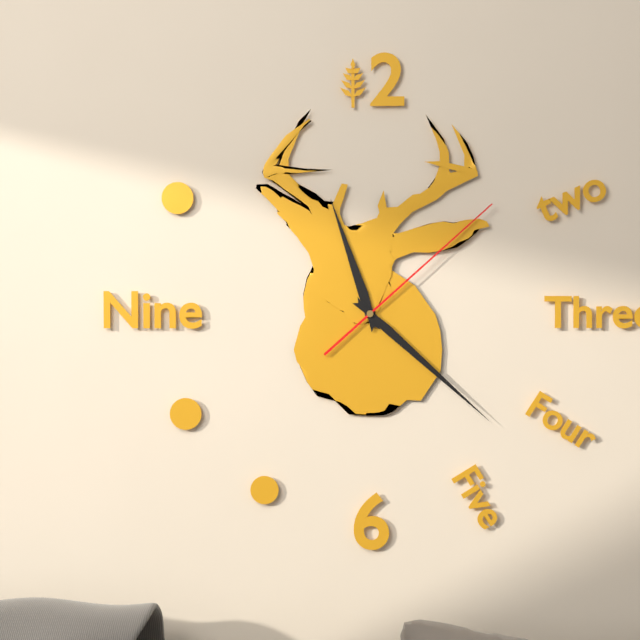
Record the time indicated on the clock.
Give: 11:22:08
